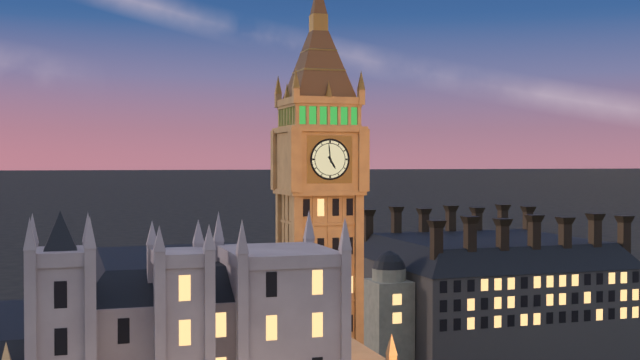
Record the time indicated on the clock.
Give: 4:59
